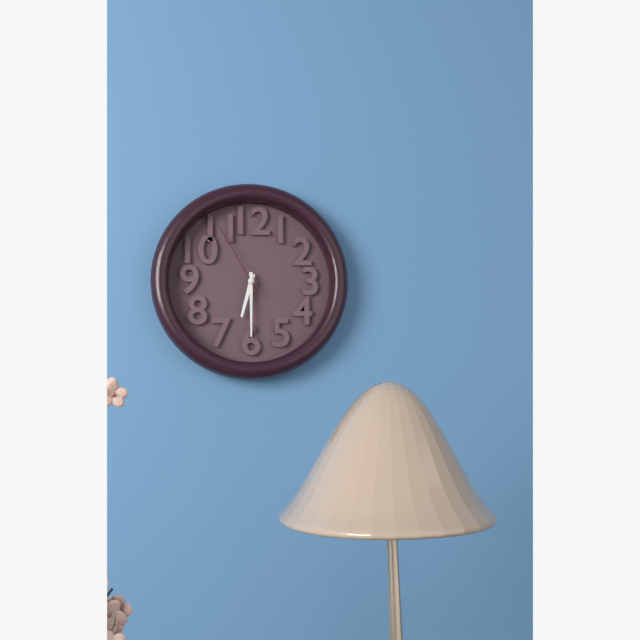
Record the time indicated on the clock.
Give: 6:30:55
